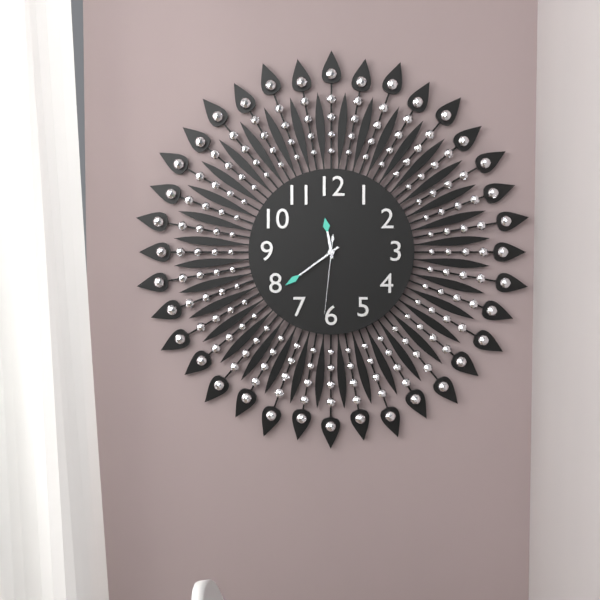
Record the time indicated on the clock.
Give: 11:39:31
